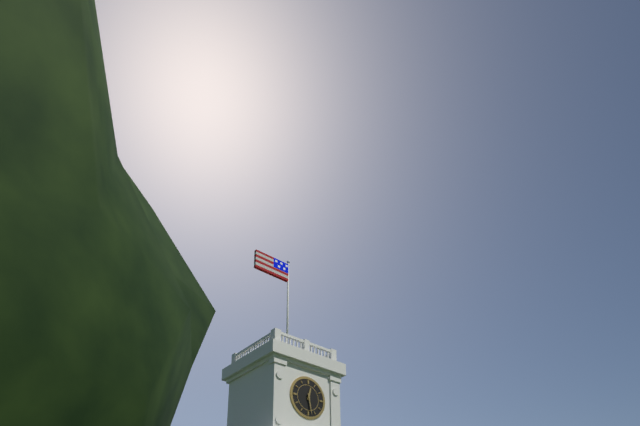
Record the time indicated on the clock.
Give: 12:28
